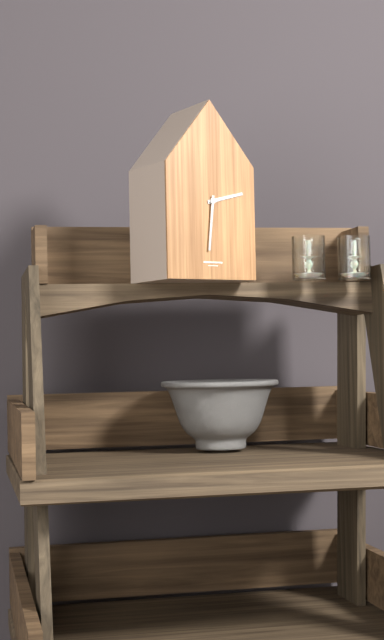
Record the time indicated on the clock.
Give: 2:31
